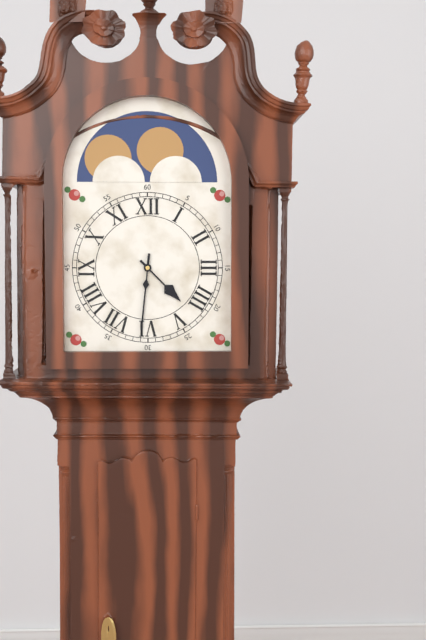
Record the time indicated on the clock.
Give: 4:31
